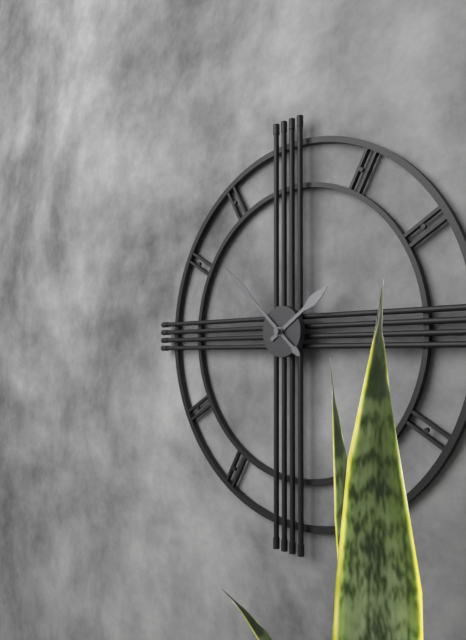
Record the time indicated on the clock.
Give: 1:52
